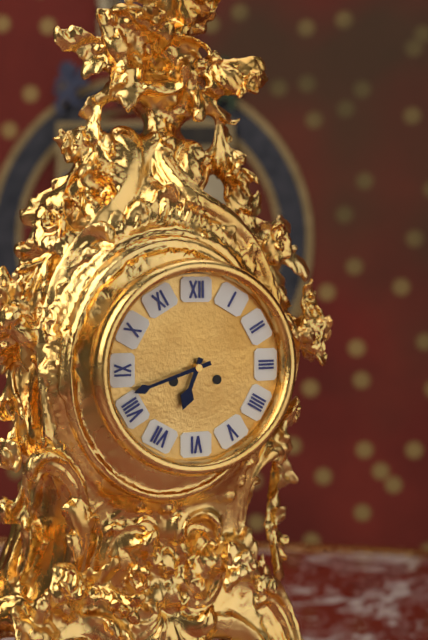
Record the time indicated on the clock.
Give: 6:42
